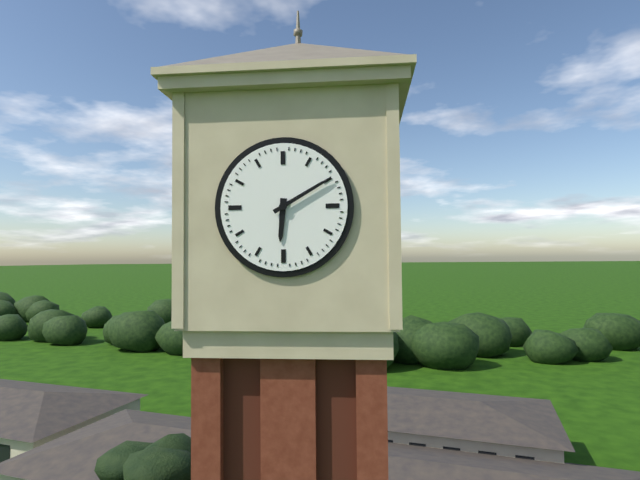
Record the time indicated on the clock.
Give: 6:10
